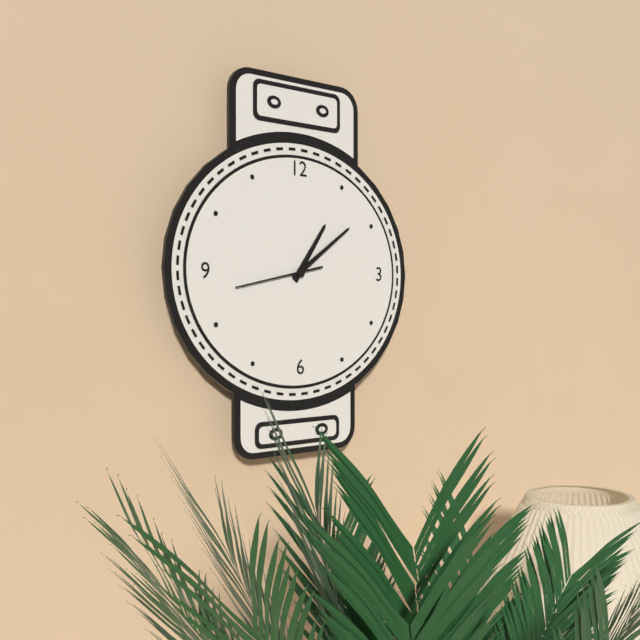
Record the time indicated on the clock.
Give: 1:09:43
